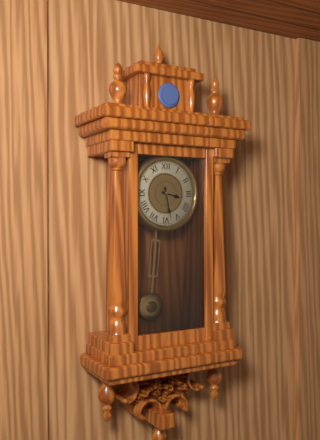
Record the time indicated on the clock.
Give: 3:28
